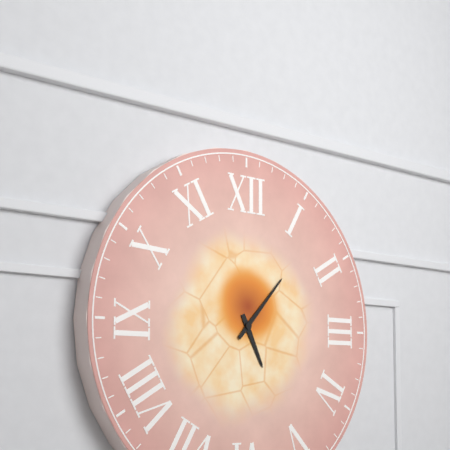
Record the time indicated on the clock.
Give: 5:07
